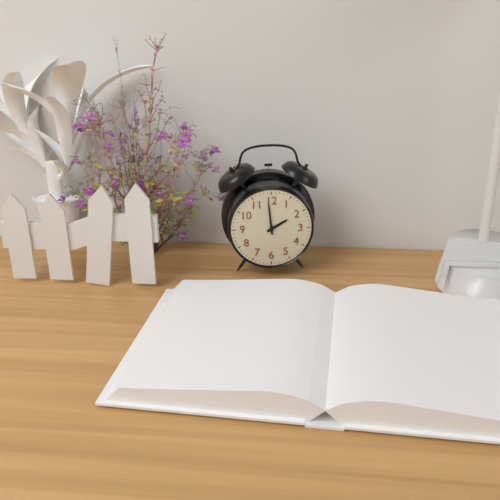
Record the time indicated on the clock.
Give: 1:59
